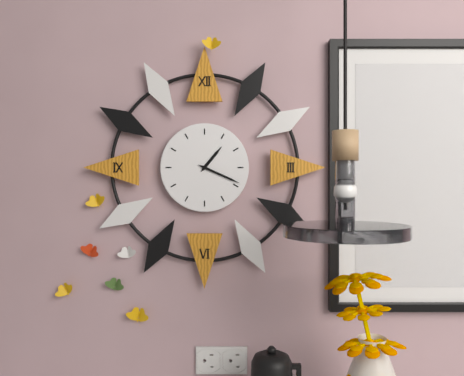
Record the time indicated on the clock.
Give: 1:19
